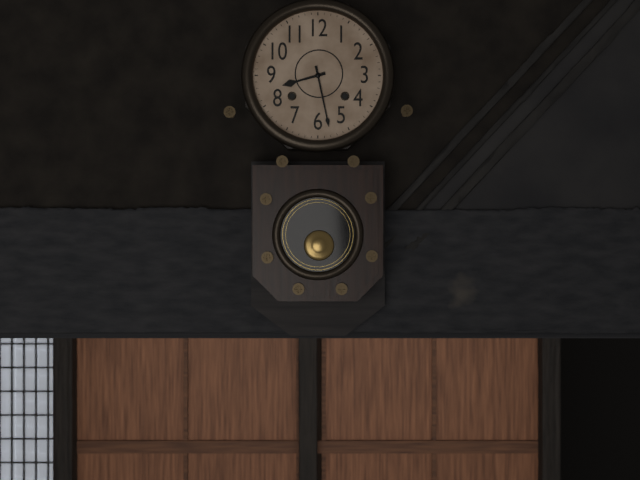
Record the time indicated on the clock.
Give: 8:28
